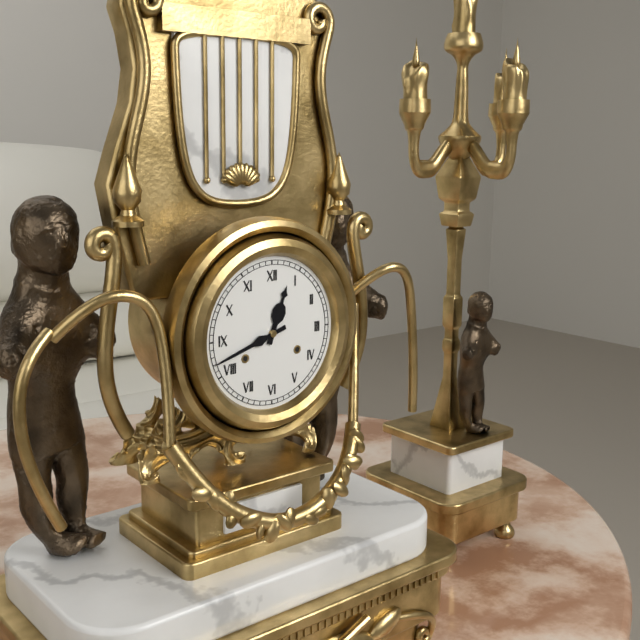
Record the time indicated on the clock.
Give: 12:42
